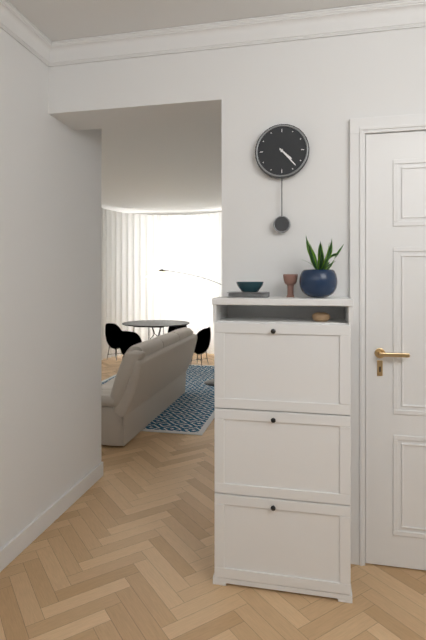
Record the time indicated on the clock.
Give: 4:23
